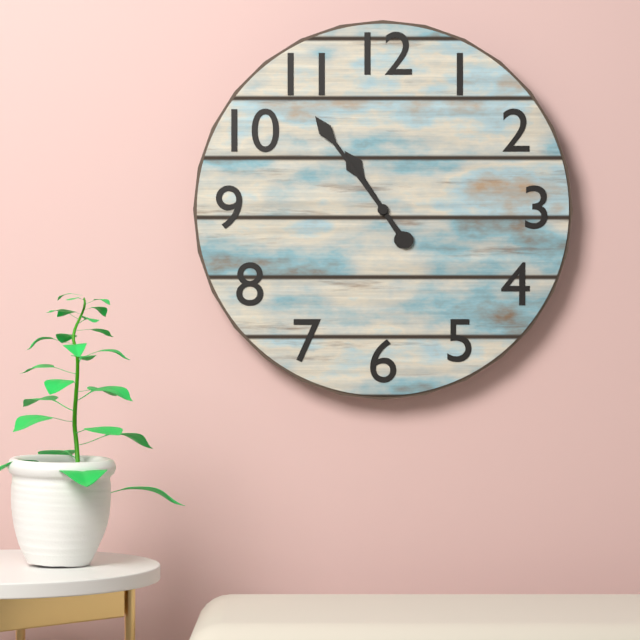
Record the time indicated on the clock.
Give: 10:54
